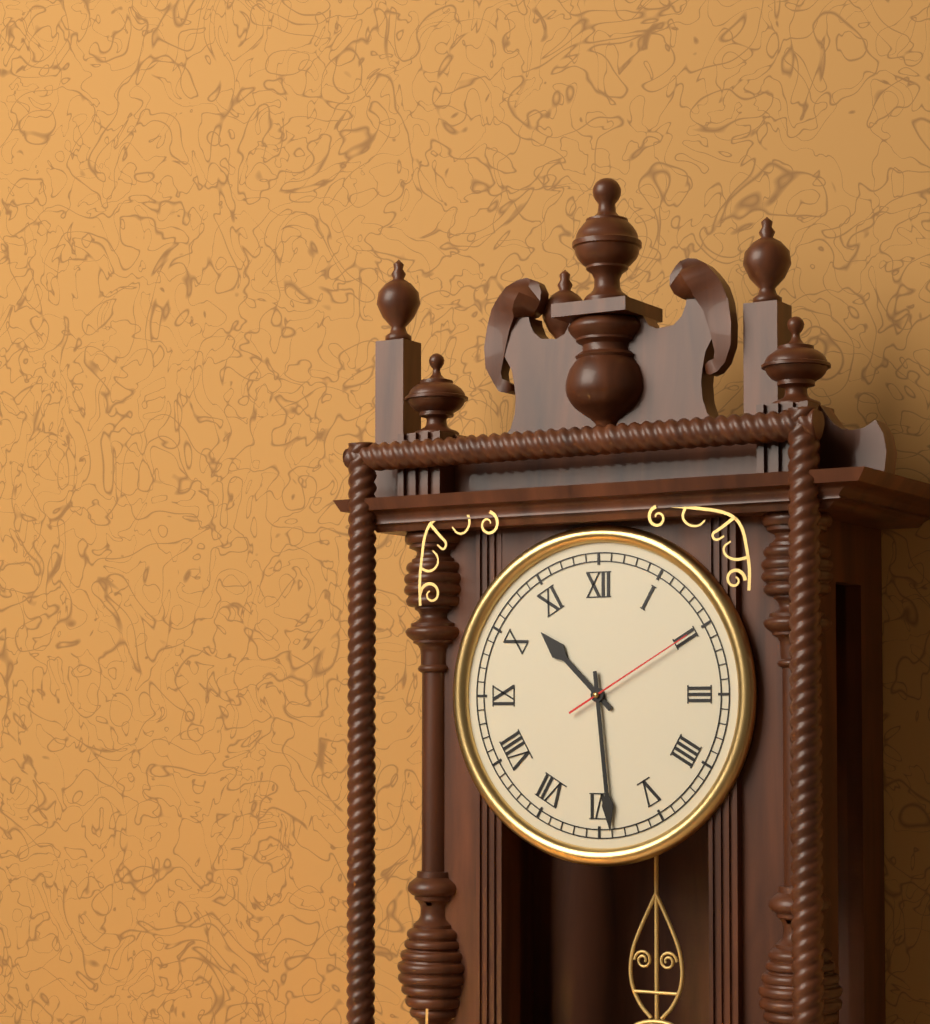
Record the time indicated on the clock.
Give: 10:29:10
